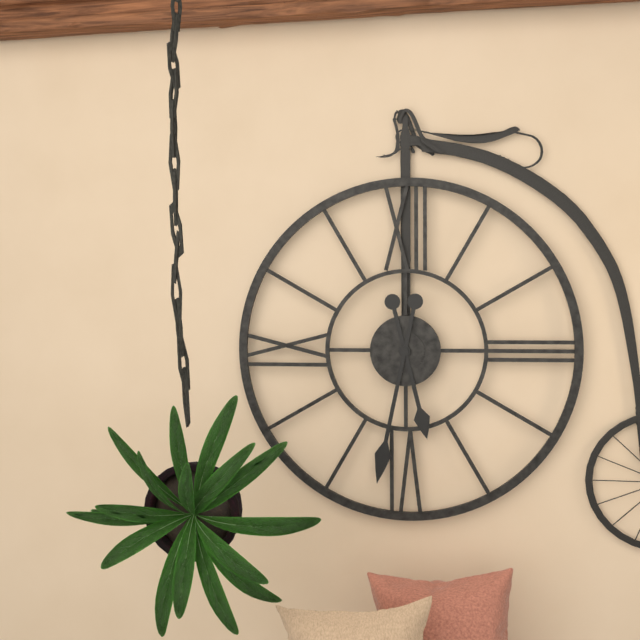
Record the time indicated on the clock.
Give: 5:32
